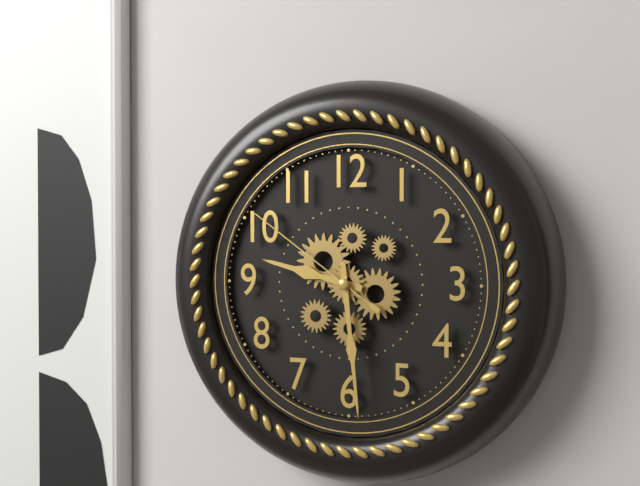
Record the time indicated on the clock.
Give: 9:29:51
